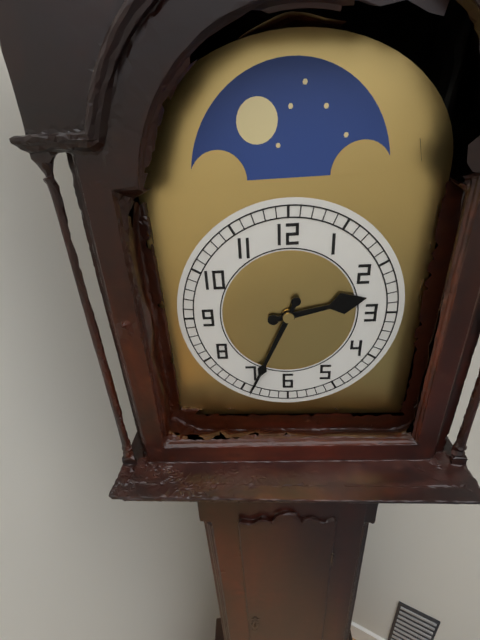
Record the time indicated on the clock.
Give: 2:34
